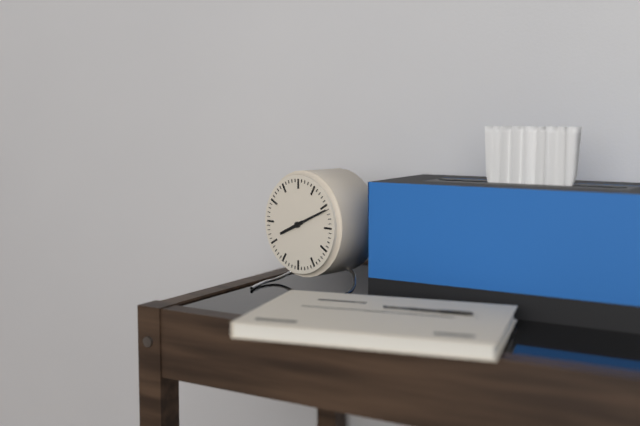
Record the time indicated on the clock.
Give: 8:11
